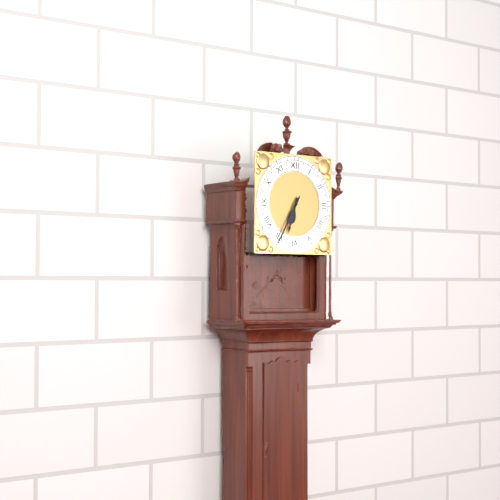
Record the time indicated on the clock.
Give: 6:35
